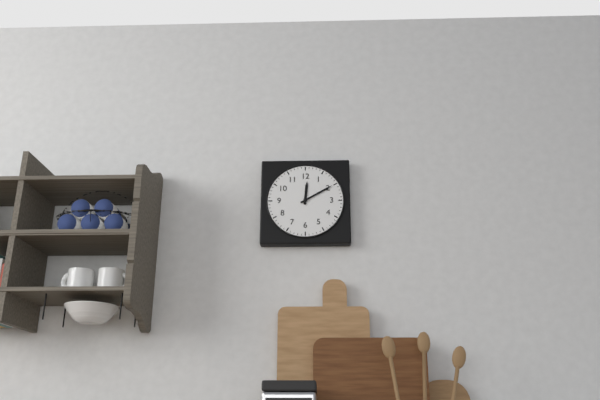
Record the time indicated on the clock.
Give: 12:10
